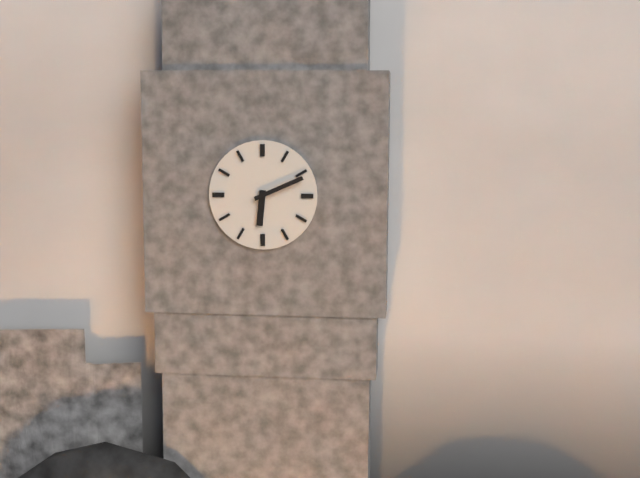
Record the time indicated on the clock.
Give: 6:11
